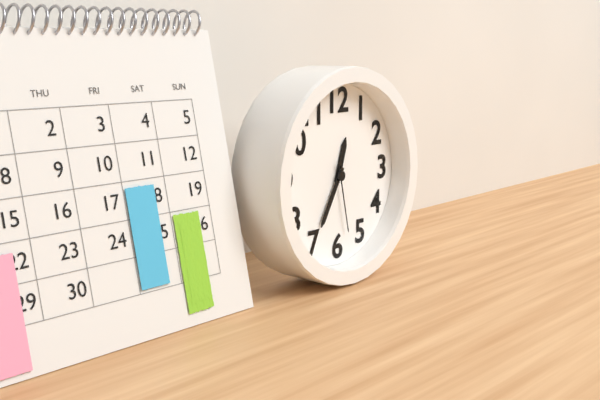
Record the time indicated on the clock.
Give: 12:35:28
